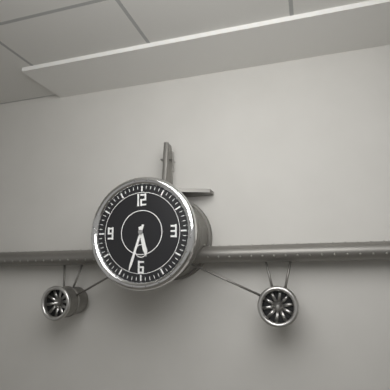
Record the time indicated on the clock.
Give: 5:33
